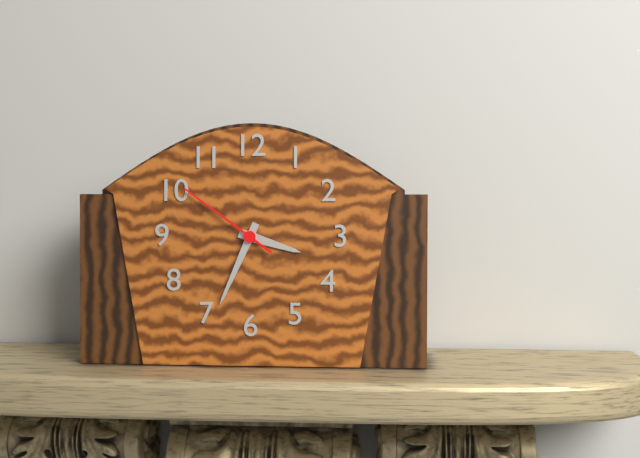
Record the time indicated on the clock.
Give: 3:34:51
